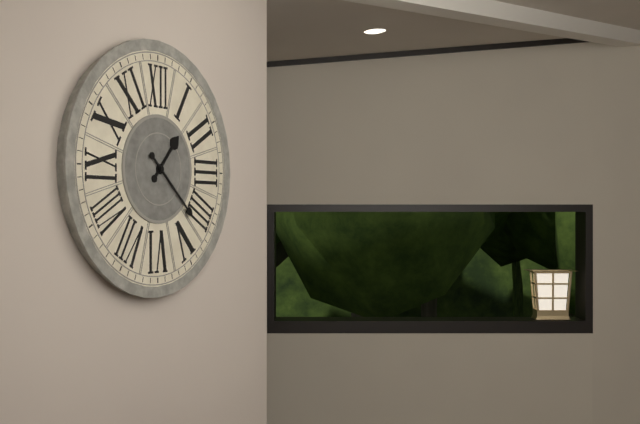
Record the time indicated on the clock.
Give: 1:22
